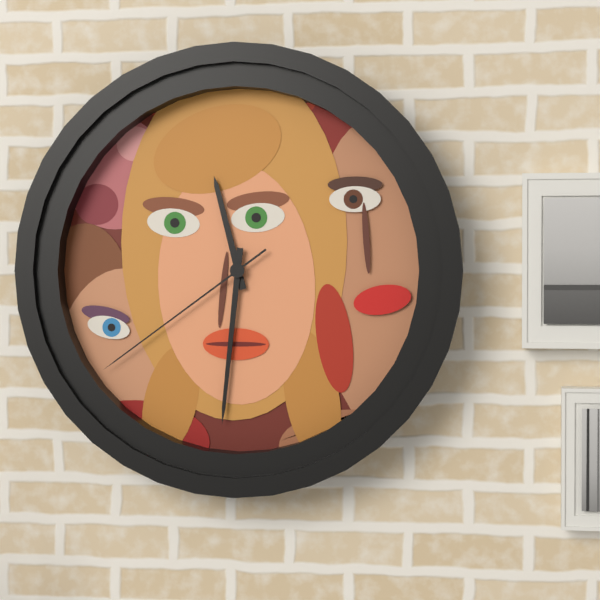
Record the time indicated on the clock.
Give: 11:31:39
